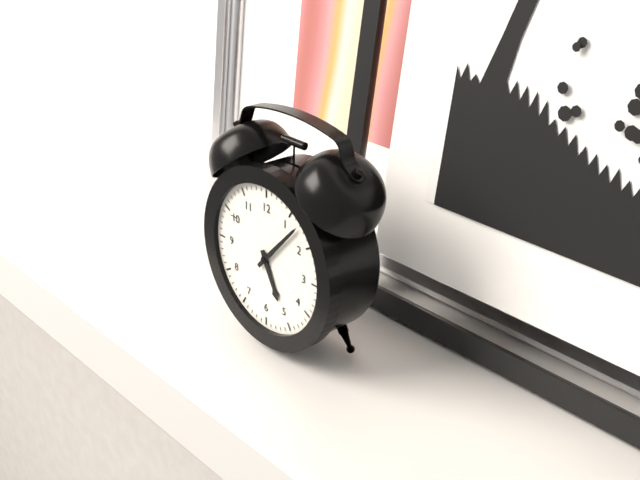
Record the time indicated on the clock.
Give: 5:07
